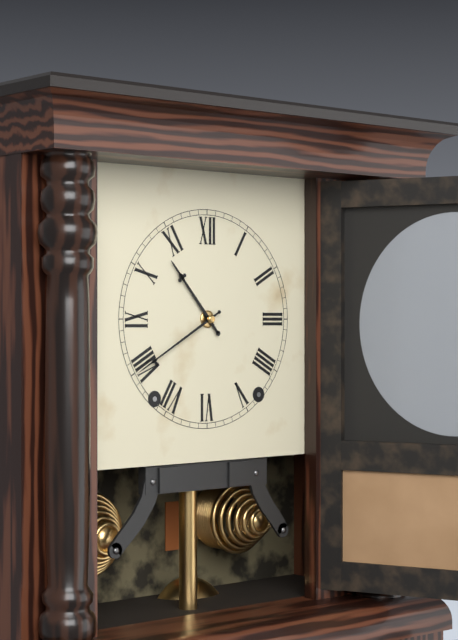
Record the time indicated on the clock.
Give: 10:40
